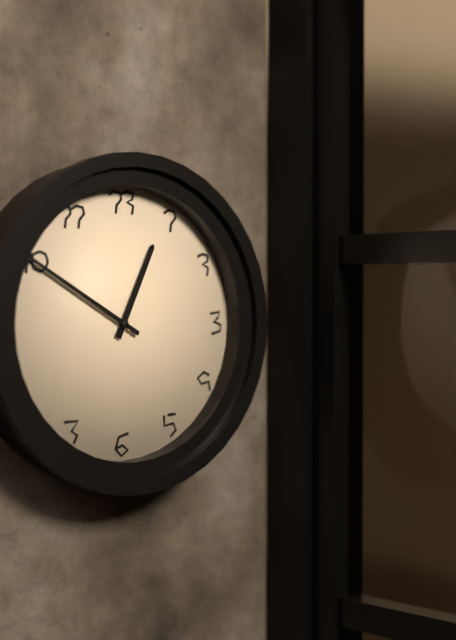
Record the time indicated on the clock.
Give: 12:50
